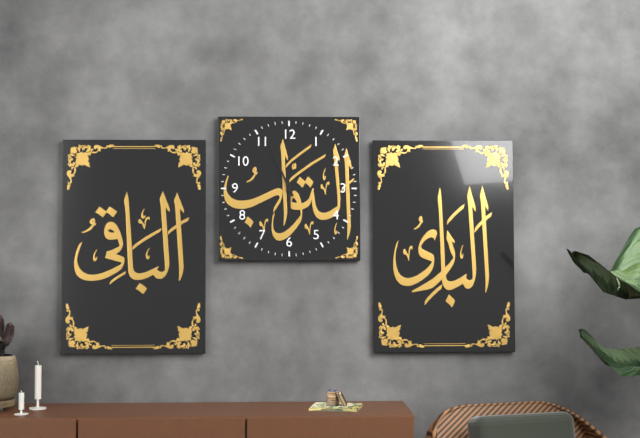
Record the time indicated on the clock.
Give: 5:56
